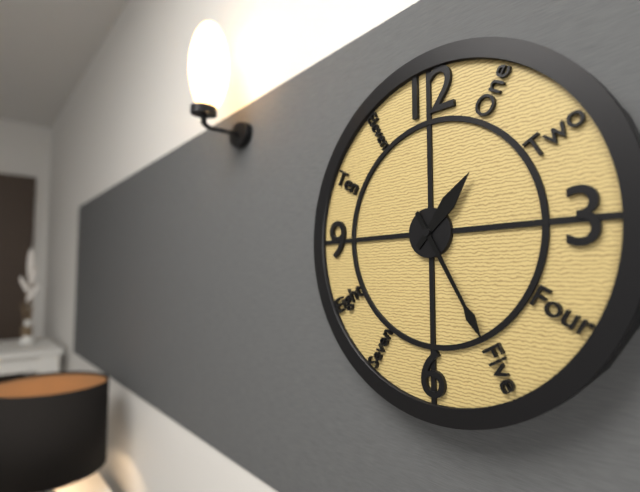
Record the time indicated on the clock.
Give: 1:25
